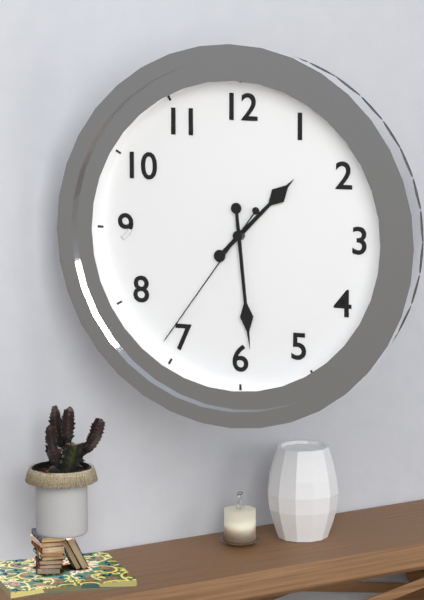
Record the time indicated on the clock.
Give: 1:29:36
